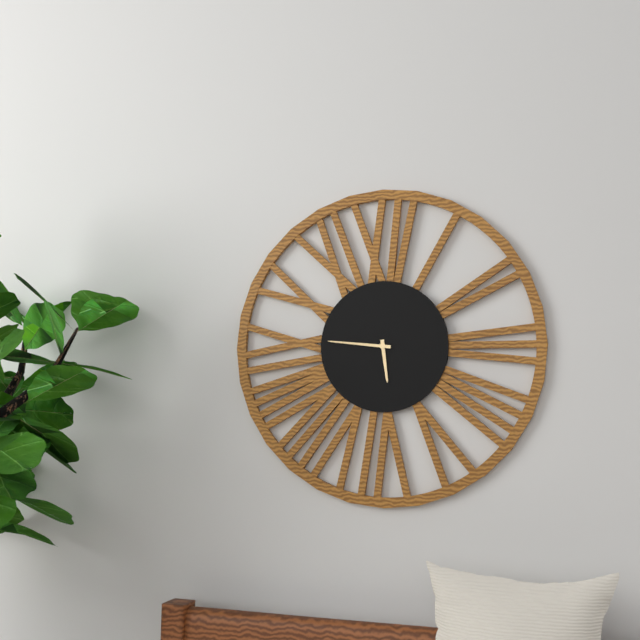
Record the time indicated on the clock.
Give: 5:46
